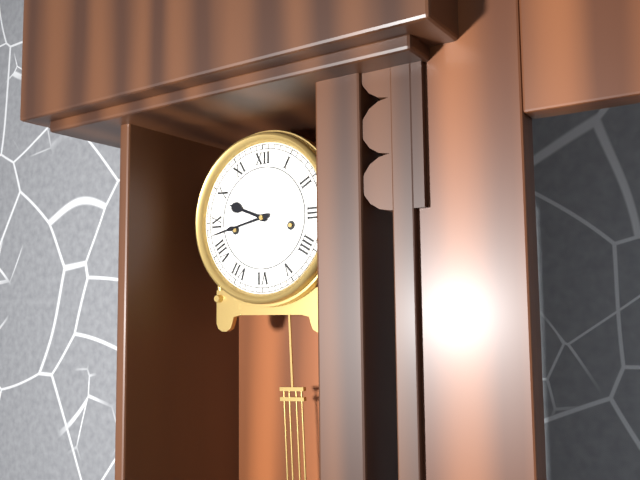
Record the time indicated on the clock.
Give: 9:43
